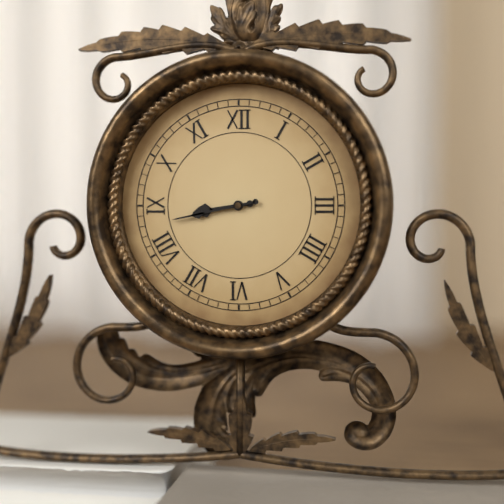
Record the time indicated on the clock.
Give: 8:43
